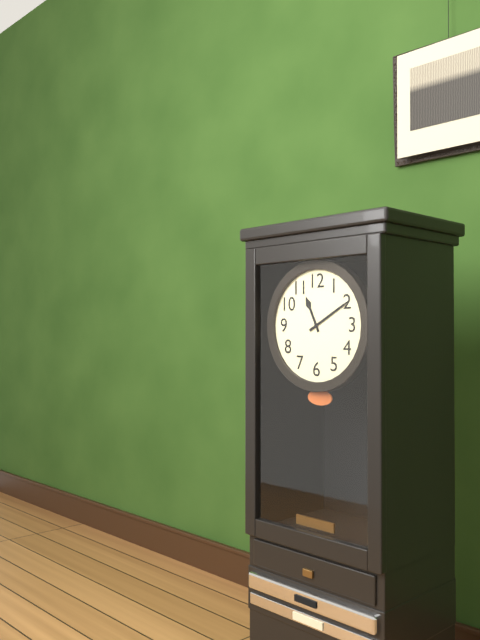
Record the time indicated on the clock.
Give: 11:10
